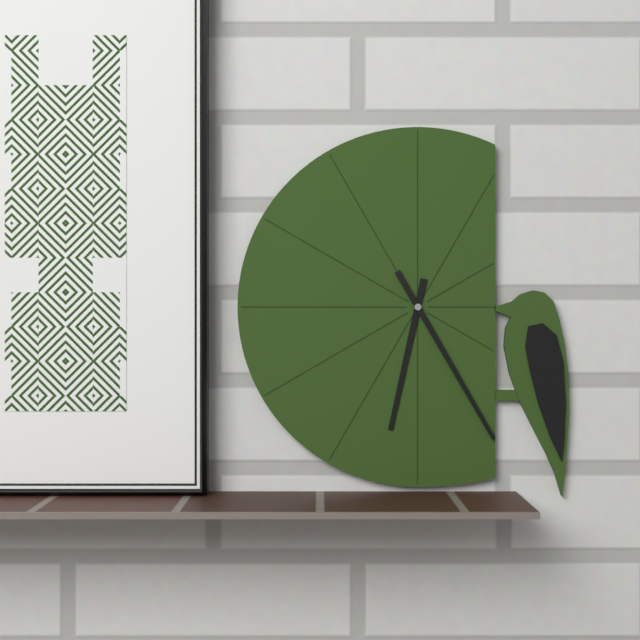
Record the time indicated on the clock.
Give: 6:25
